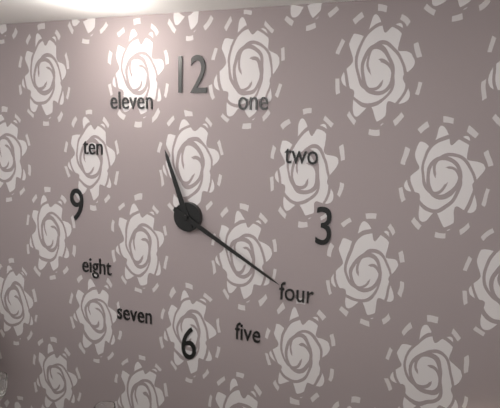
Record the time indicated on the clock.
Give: 11:20
